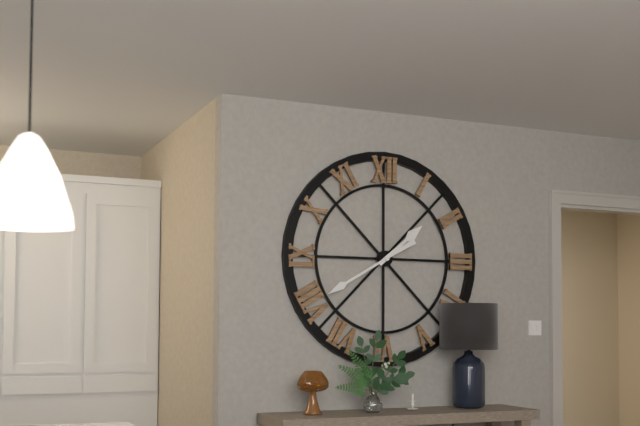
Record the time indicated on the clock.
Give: 1:40
